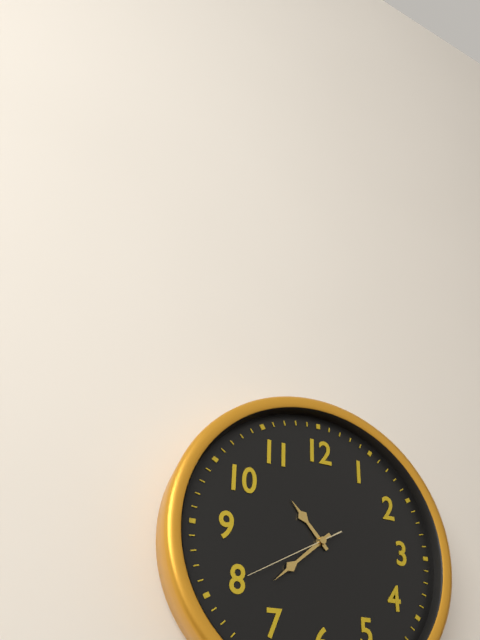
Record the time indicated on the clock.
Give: 10:38:40
